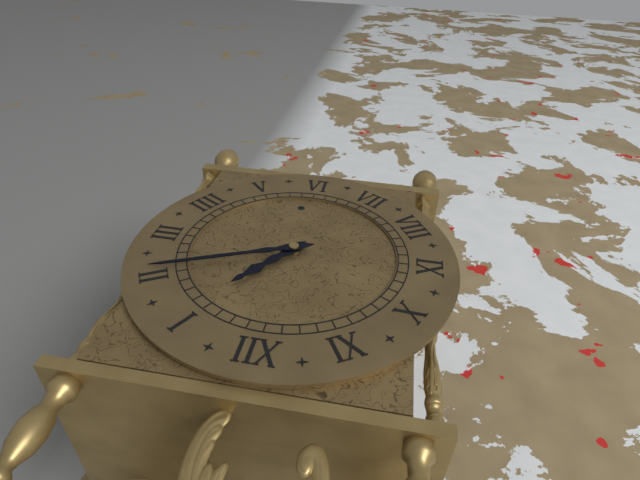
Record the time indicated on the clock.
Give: 1:11
